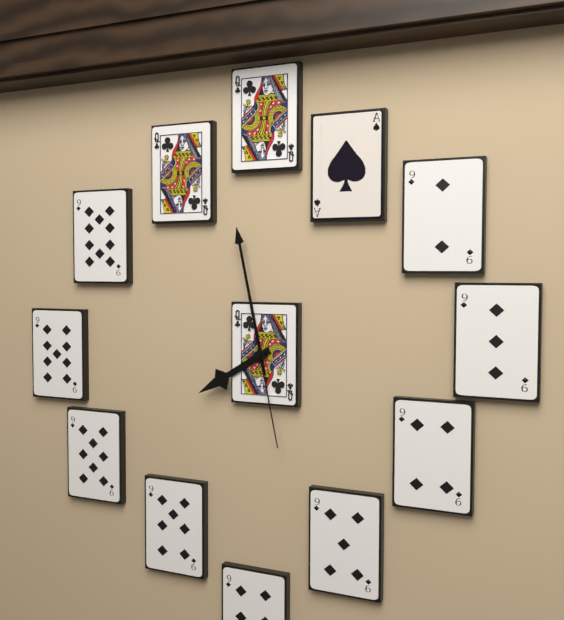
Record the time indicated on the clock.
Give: 7:58:28
